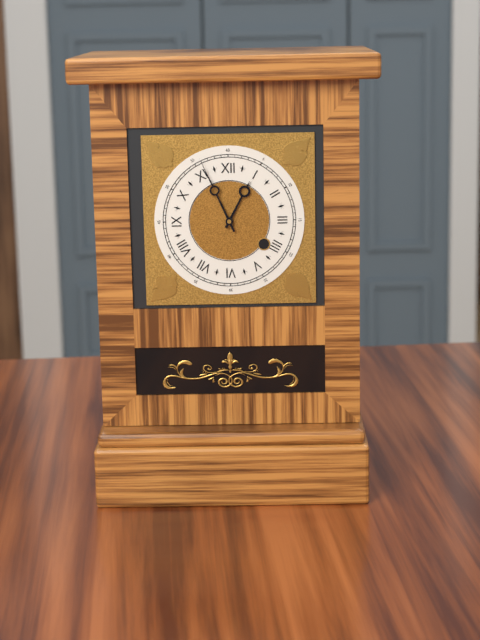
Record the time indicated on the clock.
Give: 12:56
